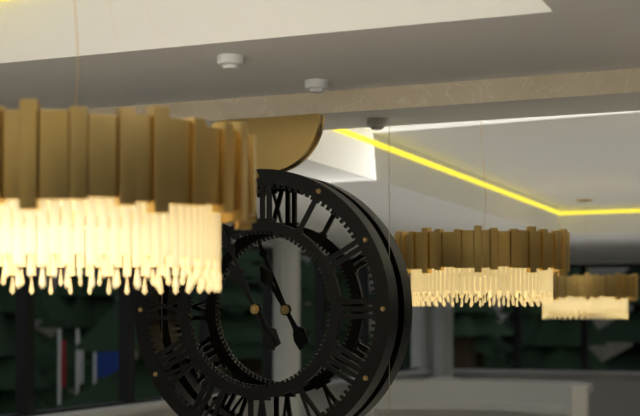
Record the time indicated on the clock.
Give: 10:56
